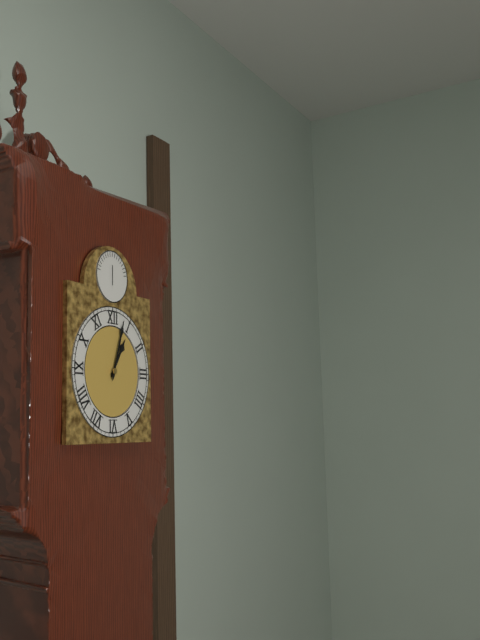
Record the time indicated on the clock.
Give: 1:03
